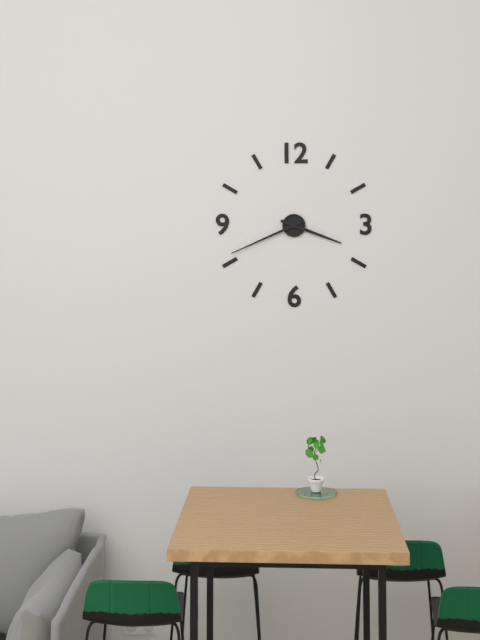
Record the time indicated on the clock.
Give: 3:41
